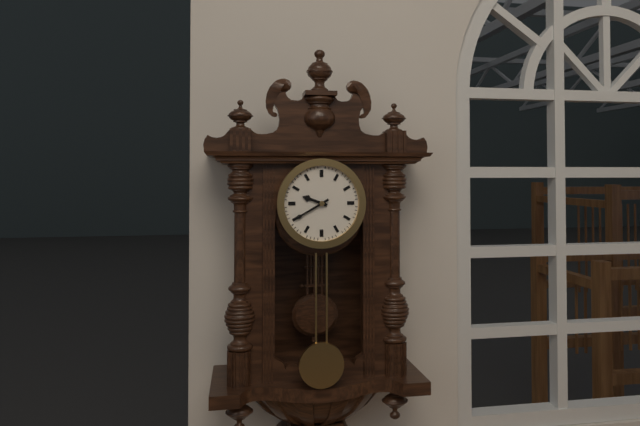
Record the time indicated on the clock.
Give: 9:40
